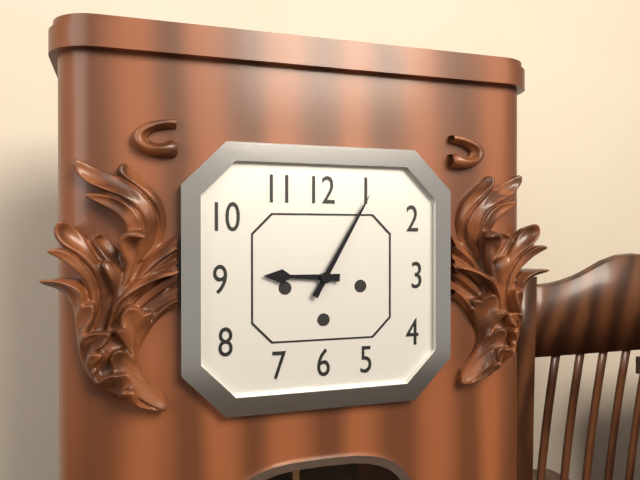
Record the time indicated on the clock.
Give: 9:05
